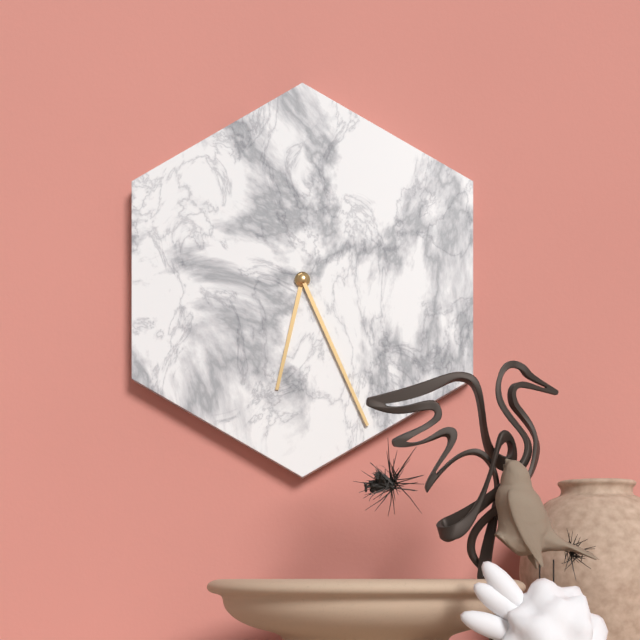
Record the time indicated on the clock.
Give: 6:26
